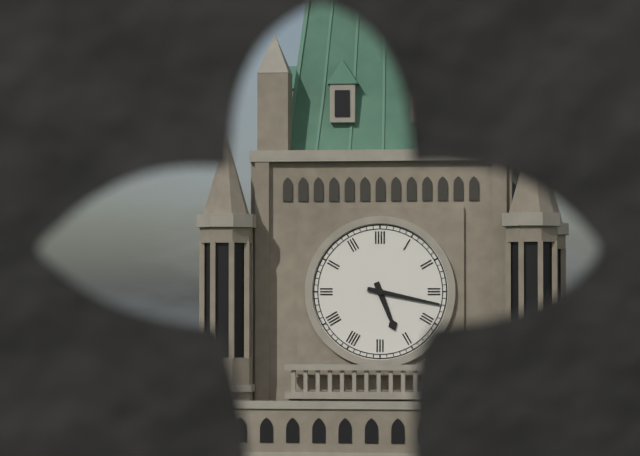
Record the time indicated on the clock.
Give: 5:17
